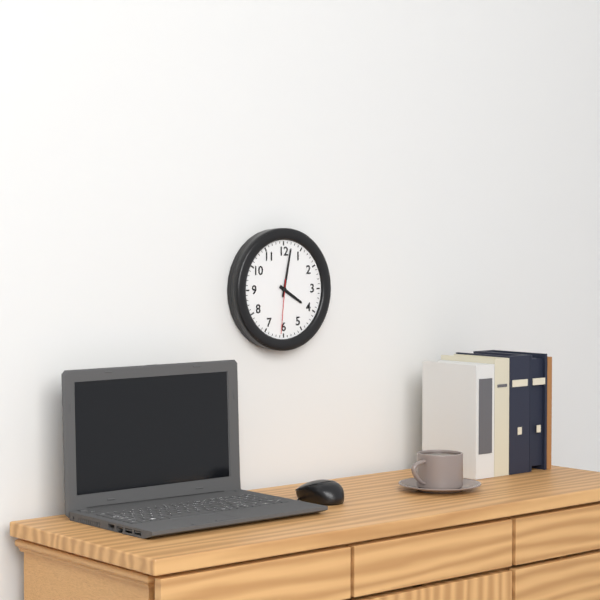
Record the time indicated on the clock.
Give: 4:02:31
